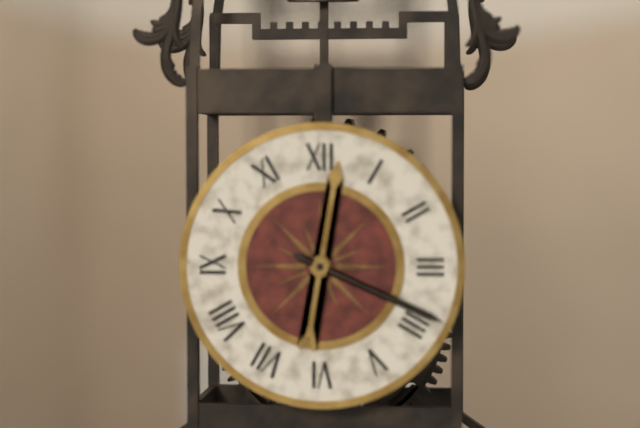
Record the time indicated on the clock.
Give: 12:19
